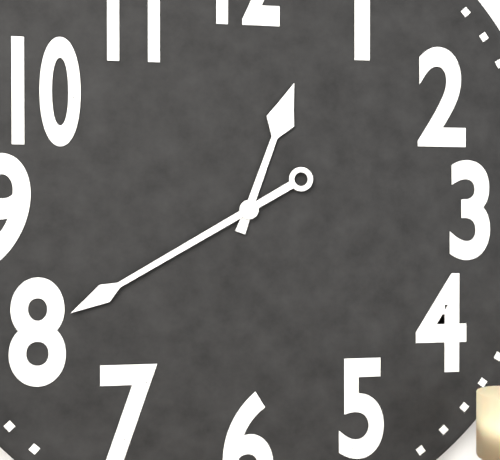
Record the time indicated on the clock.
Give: 12:40
